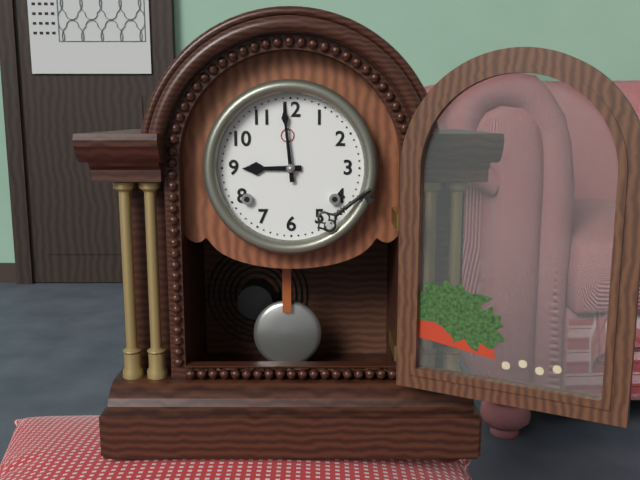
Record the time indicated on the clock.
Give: 8:59
